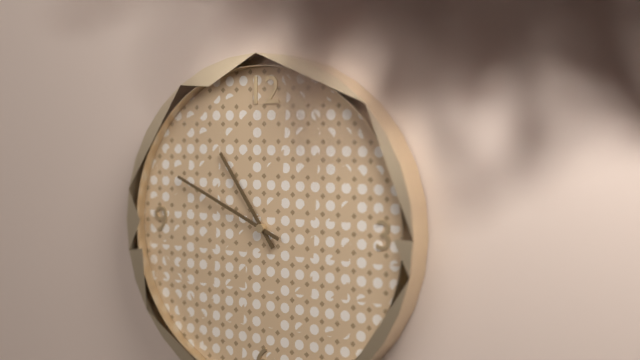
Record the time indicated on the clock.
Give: 10:49
